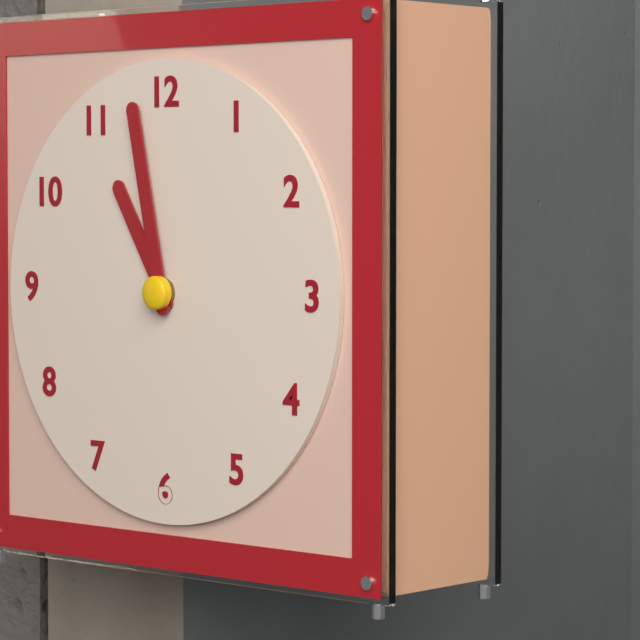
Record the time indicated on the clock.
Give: 10:58
